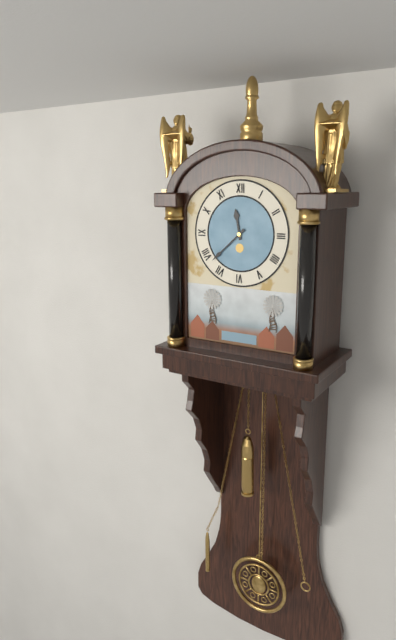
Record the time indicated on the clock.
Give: 11:38
